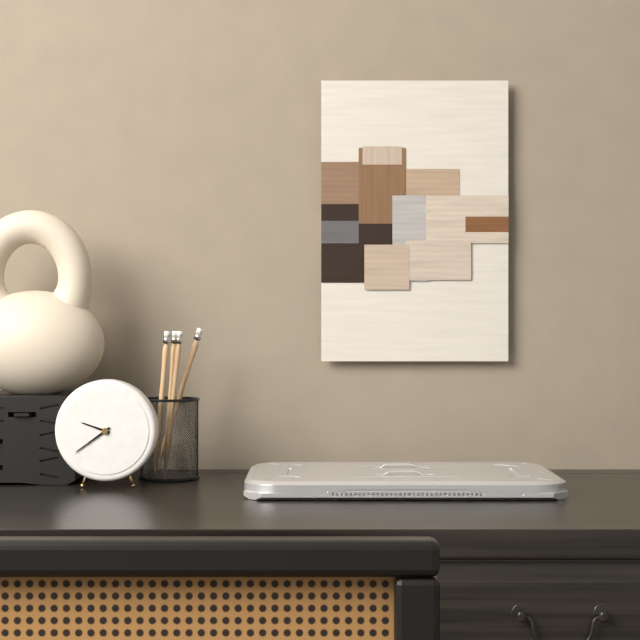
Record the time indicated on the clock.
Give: 9:39
